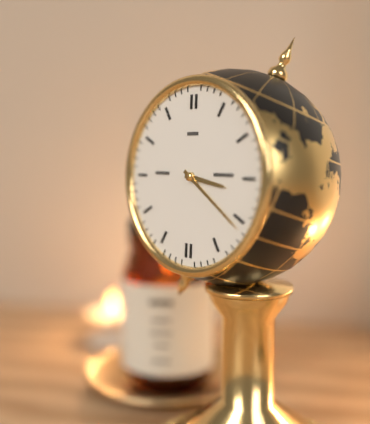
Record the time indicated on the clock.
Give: 3:21
